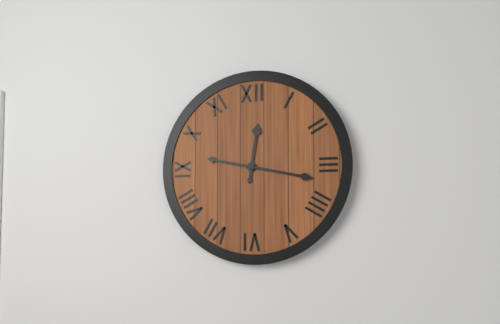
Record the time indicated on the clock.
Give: 12:17
